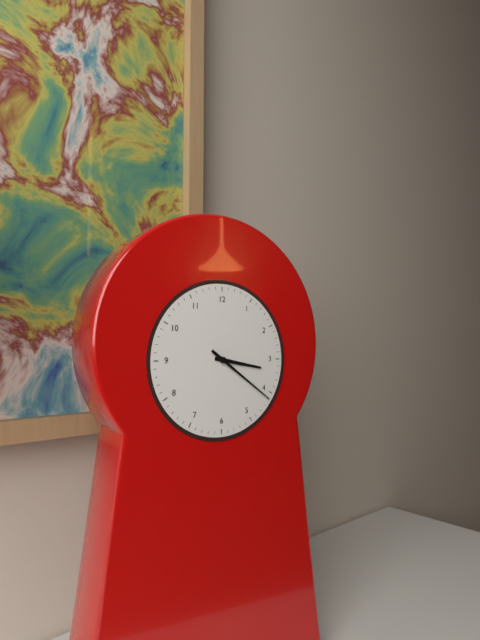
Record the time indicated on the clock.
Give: 3:21
